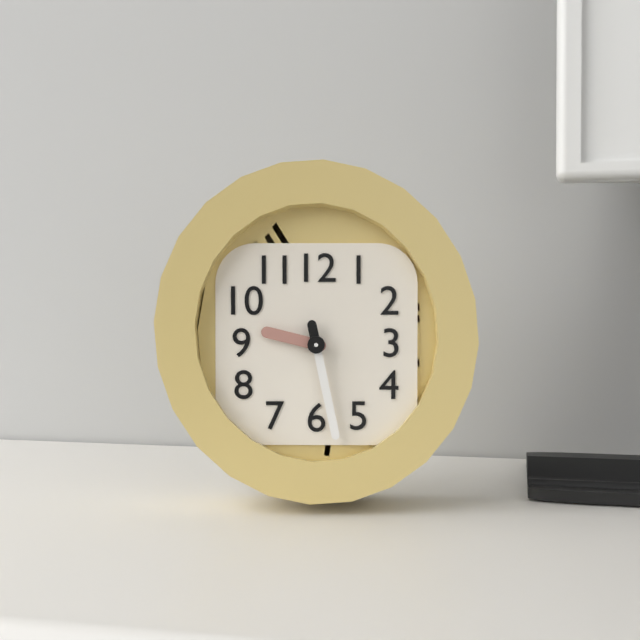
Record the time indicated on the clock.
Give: 9:28
